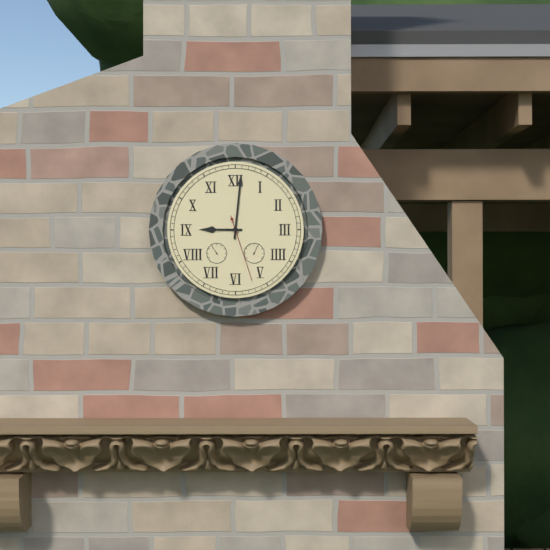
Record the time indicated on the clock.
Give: 9:01:27
